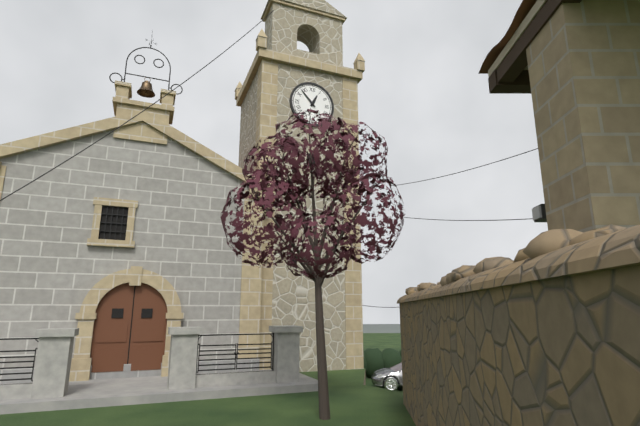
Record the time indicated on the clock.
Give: 12:53
